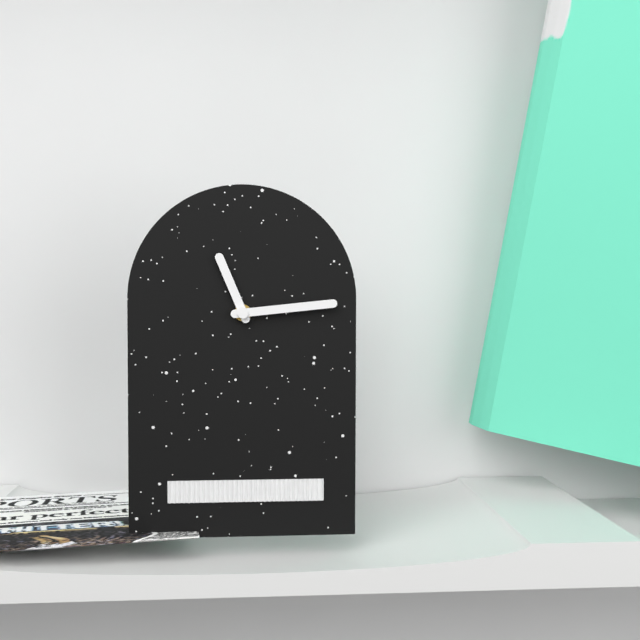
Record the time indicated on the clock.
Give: 11:14
